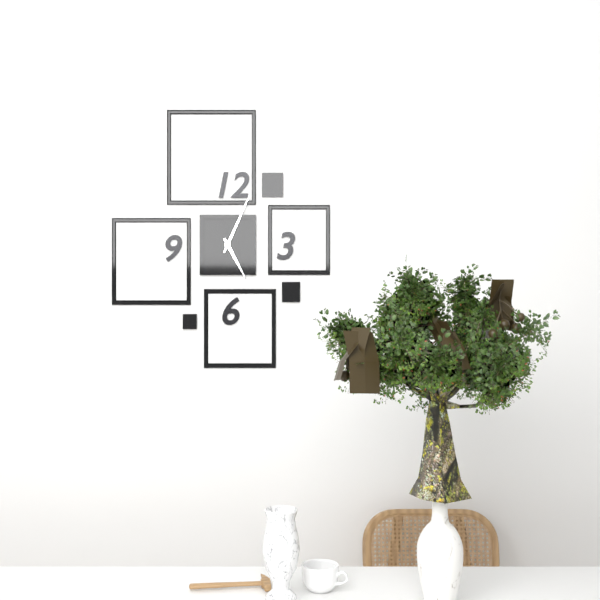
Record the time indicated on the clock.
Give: 5:04
